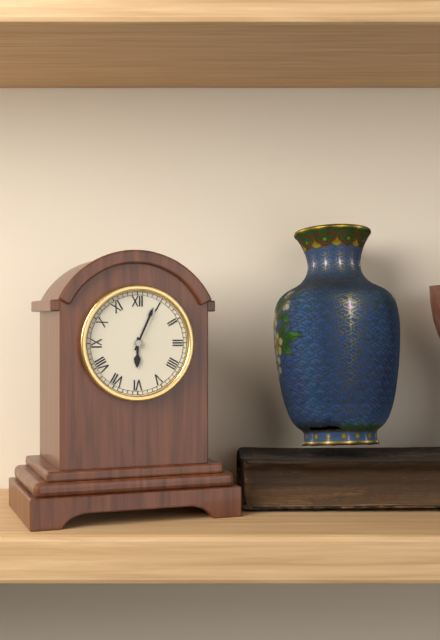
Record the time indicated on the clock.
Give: 6:04
